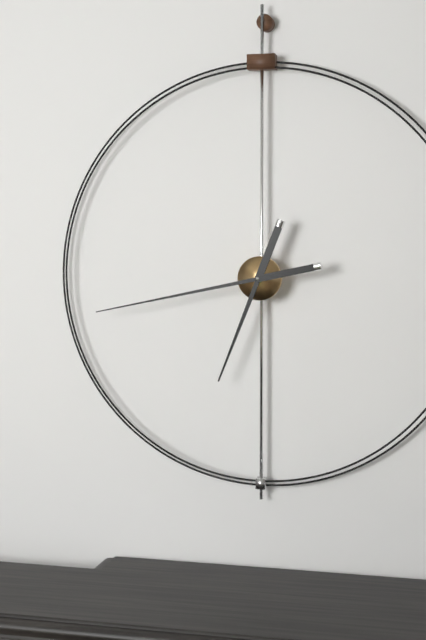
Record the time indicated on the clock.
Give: 6:43
